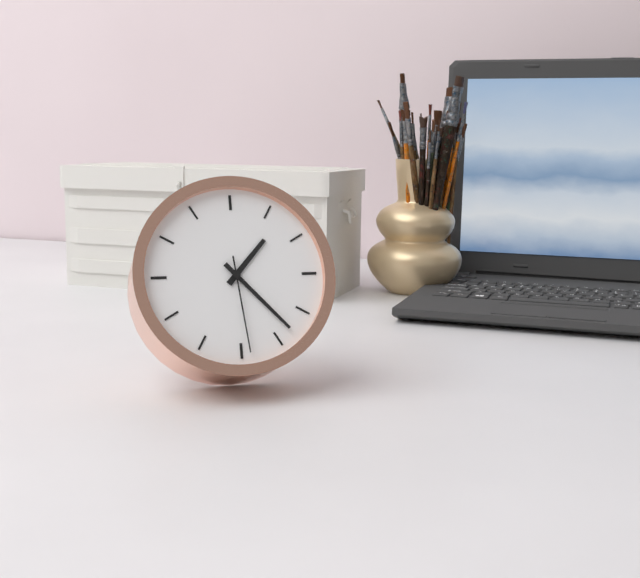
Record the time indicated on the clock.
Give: 1:23:29
